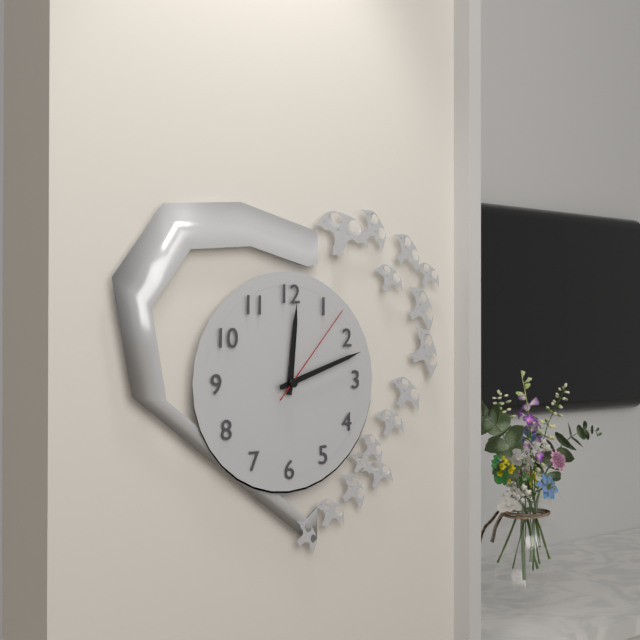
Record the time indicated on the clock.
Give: 12:12:07
